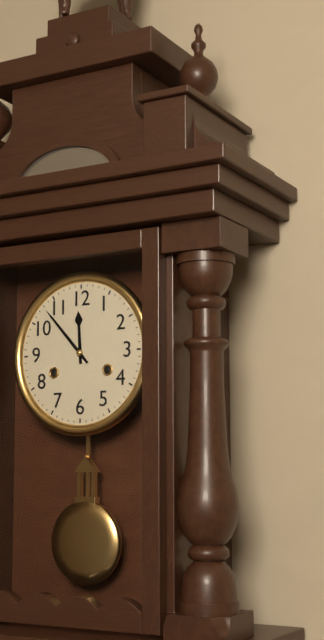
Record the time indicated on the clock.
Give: 11:53
